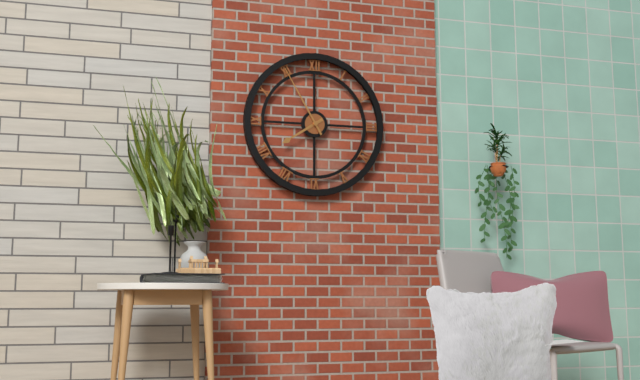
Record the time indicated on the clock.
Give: 7:55
